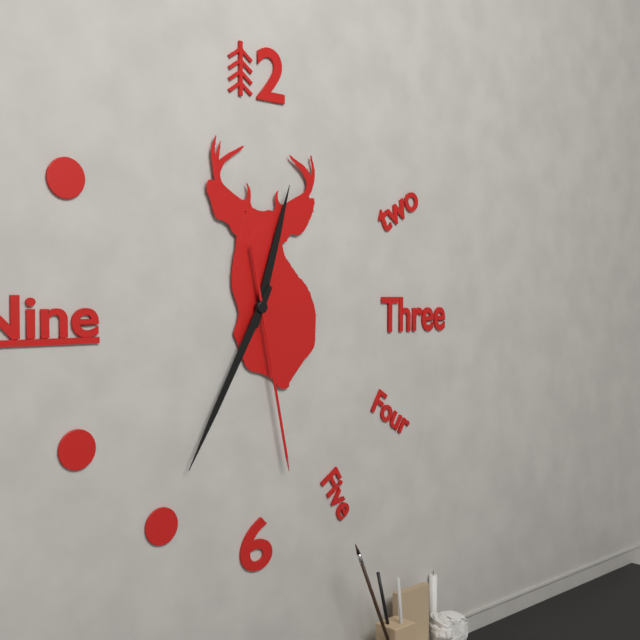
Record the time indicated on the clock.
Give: 12:35:28
